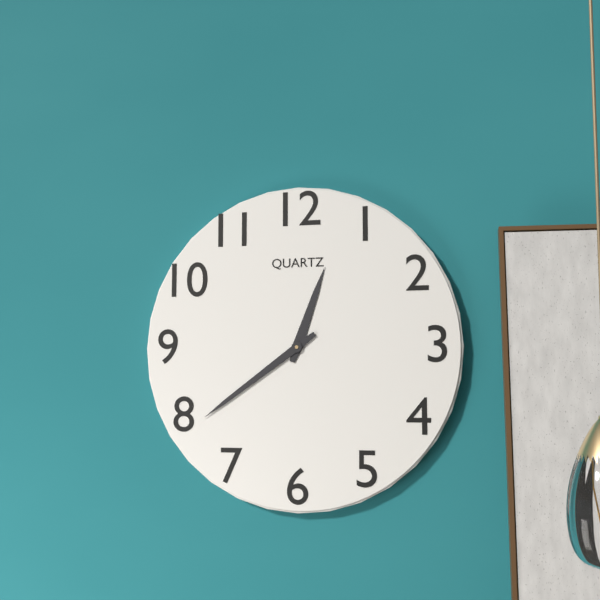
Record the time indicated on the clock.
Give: 12:39
